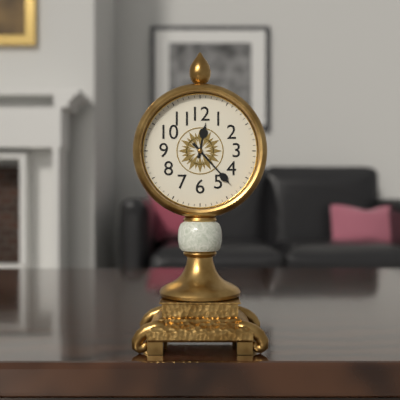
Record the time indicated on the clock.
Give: 12:23
